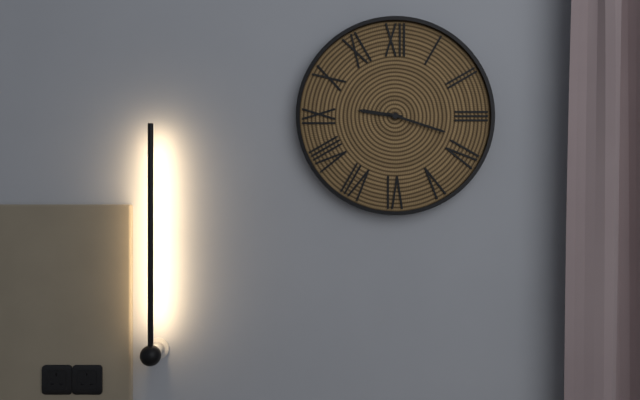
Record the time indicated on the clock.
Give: 9:18
